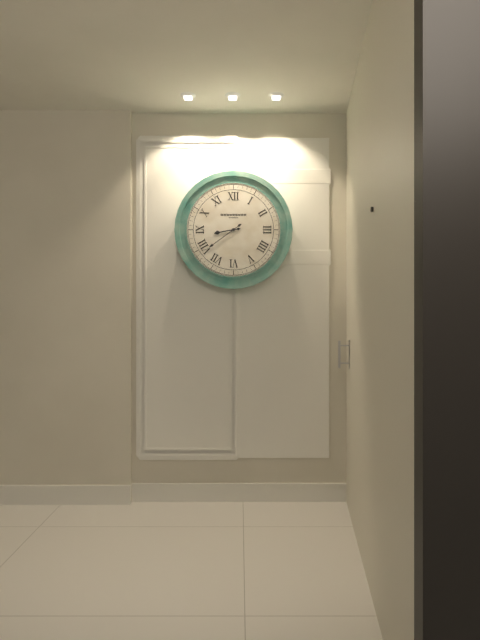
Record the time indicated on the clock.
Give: 8:39
